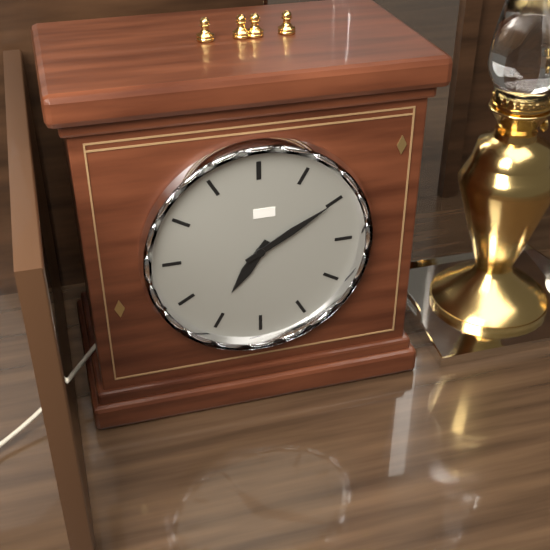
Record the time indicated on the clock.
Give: 7:10
